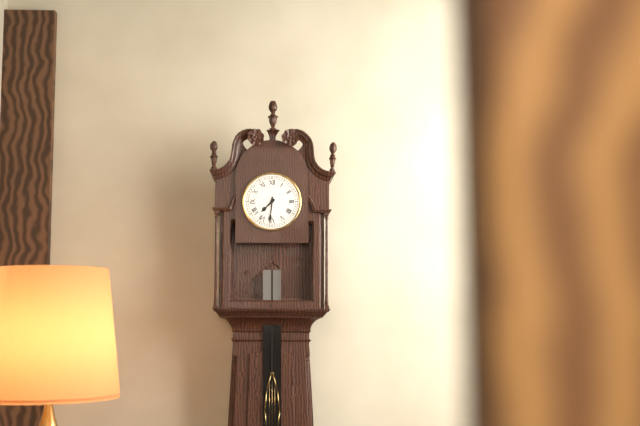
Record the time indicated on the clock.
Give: 7:31
